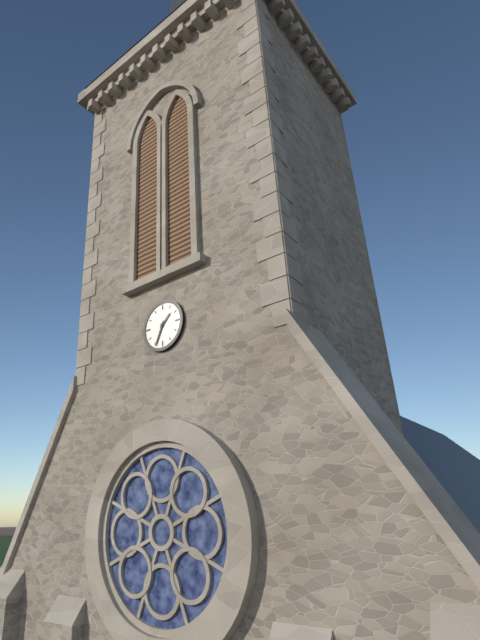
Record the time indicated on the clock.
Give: 1:34
